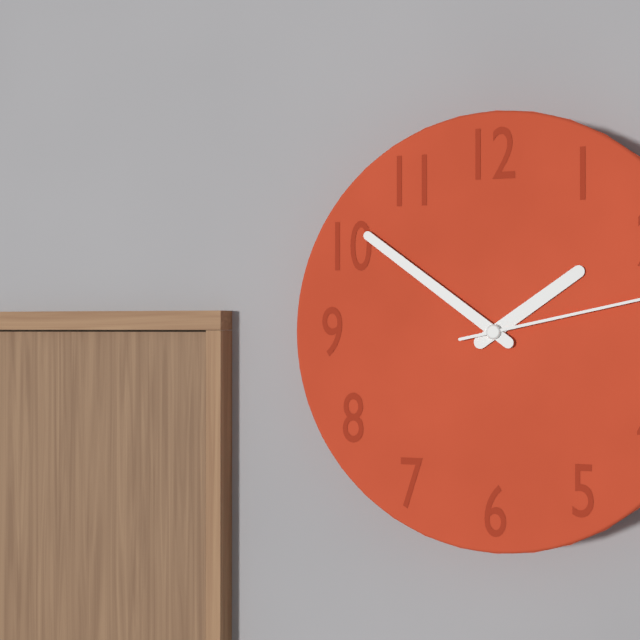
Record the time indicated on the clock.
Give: 1:51
